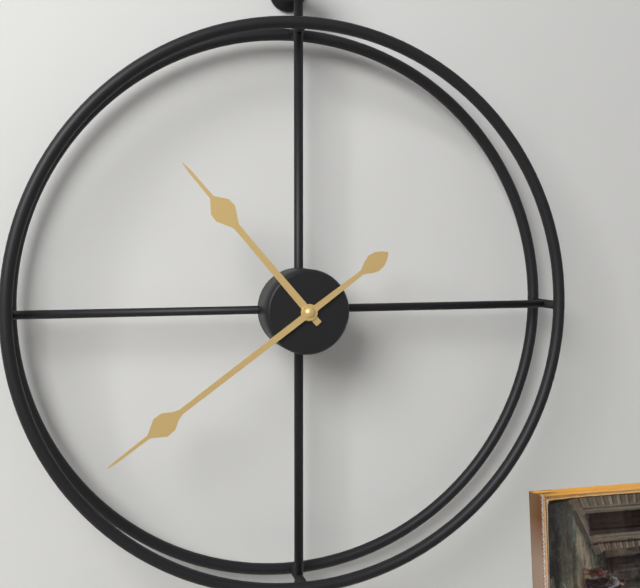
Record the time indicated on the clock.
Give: 10:39
